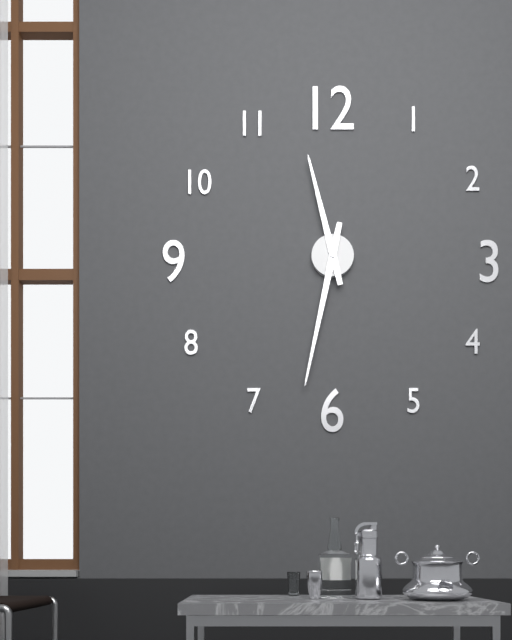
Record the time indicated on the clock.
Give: 11:32
